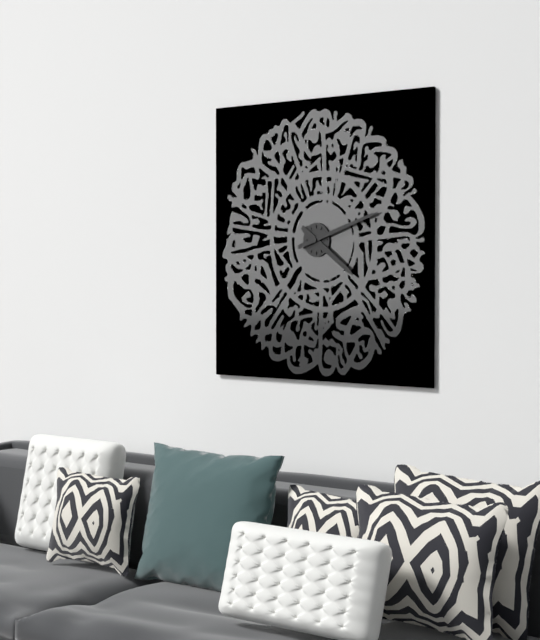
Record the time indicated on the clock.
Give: 4:12
